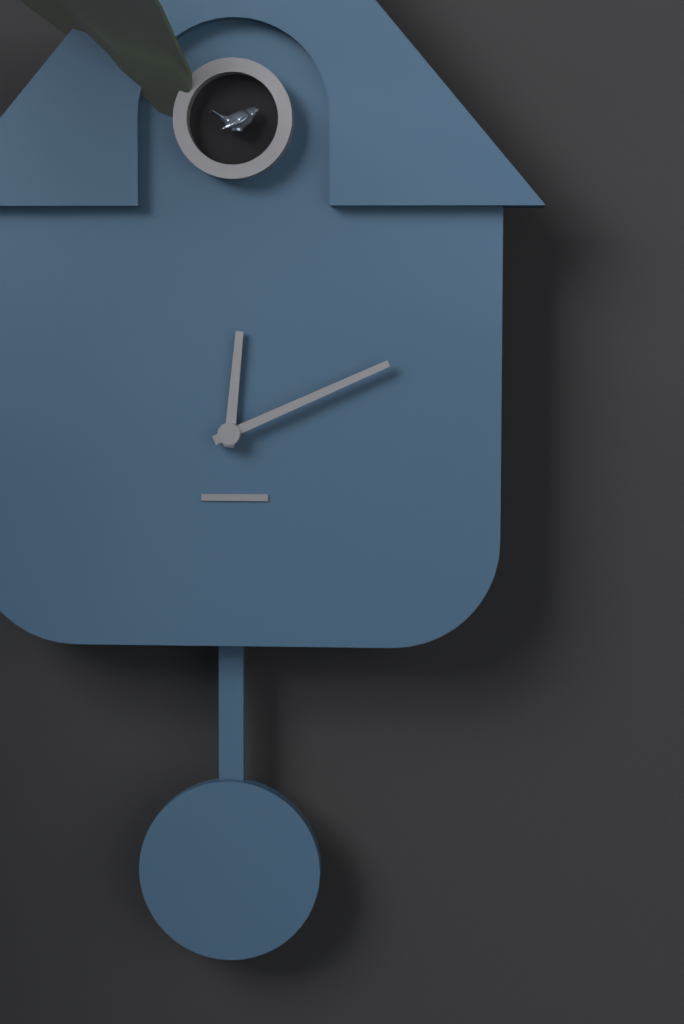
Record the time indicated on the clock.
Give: 12:11
